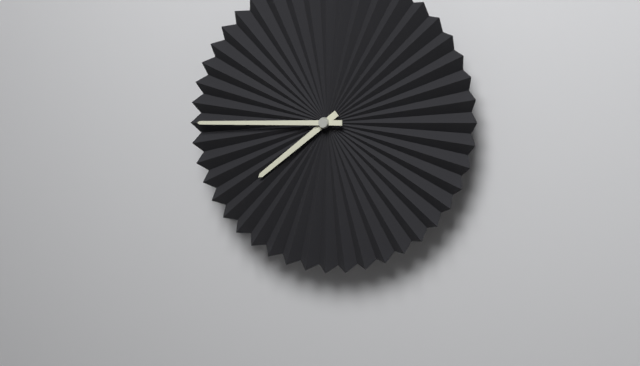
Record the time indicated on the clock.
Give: 7:45
